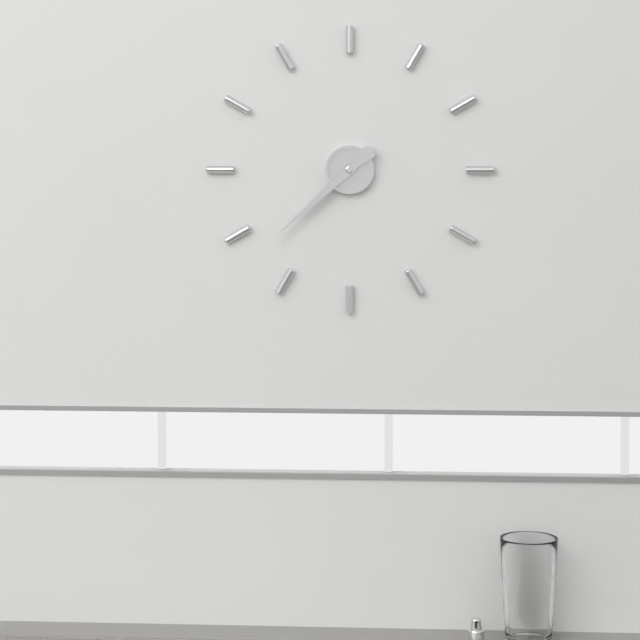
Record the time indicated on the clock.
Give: 7:38
